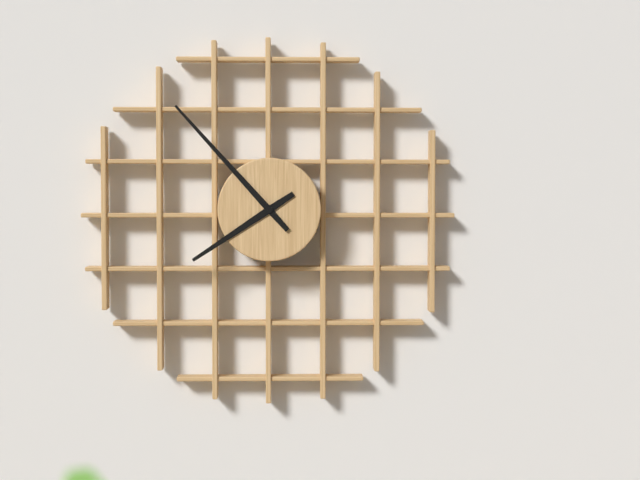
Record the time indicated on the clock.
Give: 7:53
